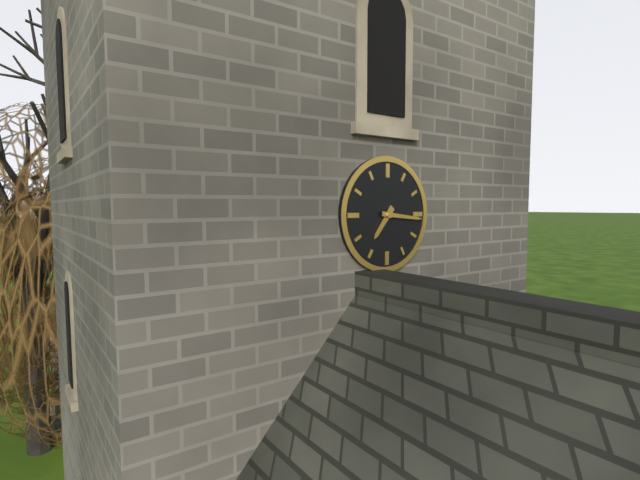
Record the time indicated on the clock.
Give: 7:16
